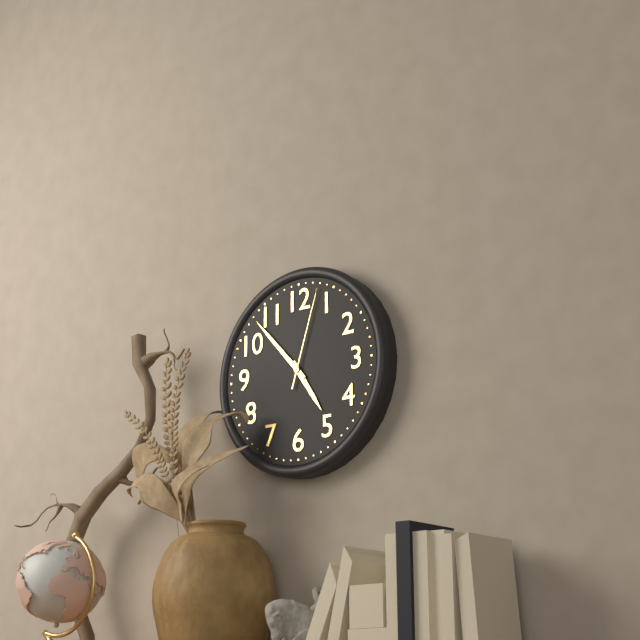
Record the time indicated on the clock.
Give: 4:53:03
